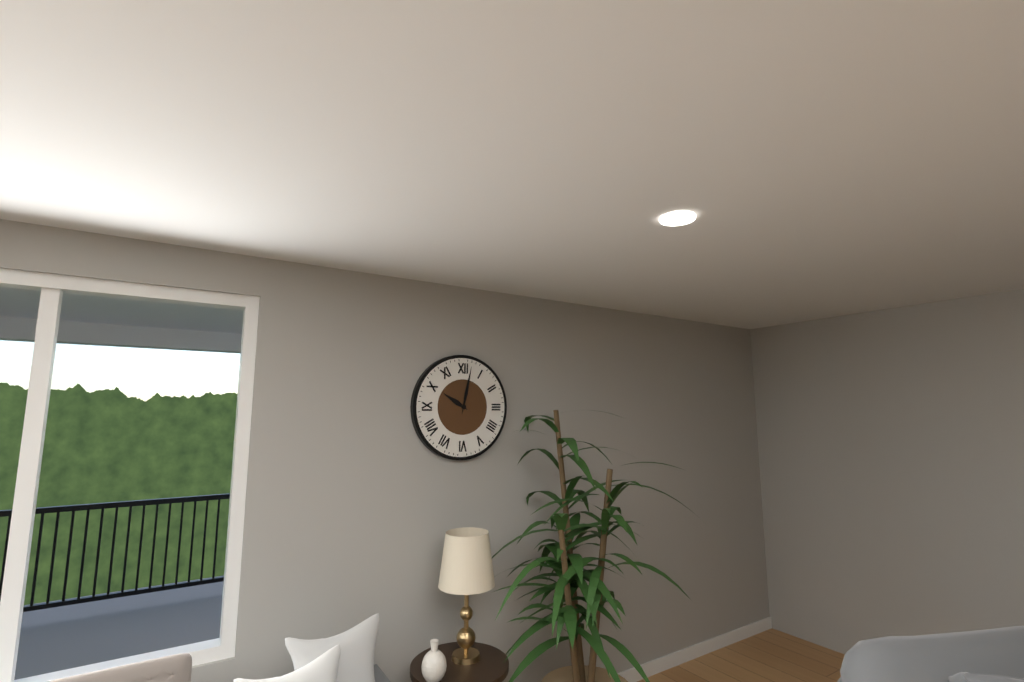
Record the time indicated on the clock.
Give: 10:02
